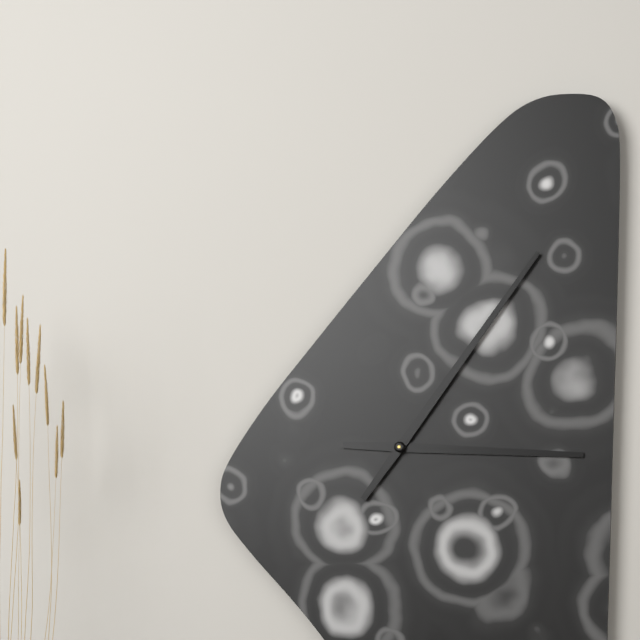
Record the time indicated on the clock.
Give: 3:06
